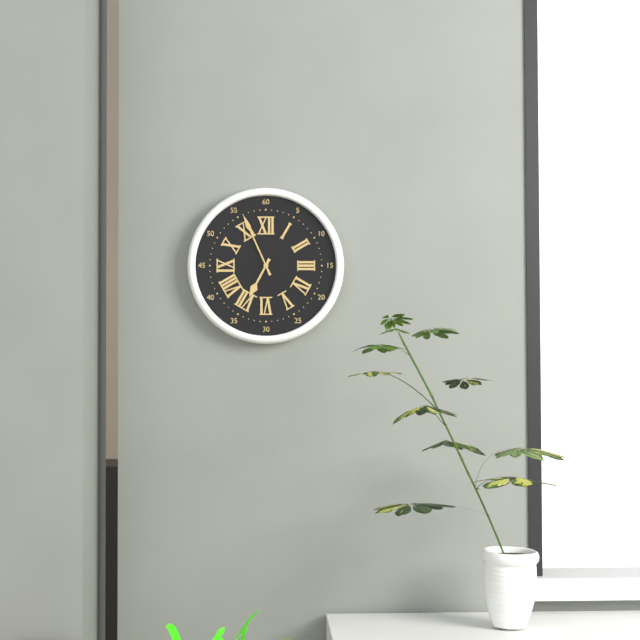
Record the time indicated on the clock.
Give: 6:56
